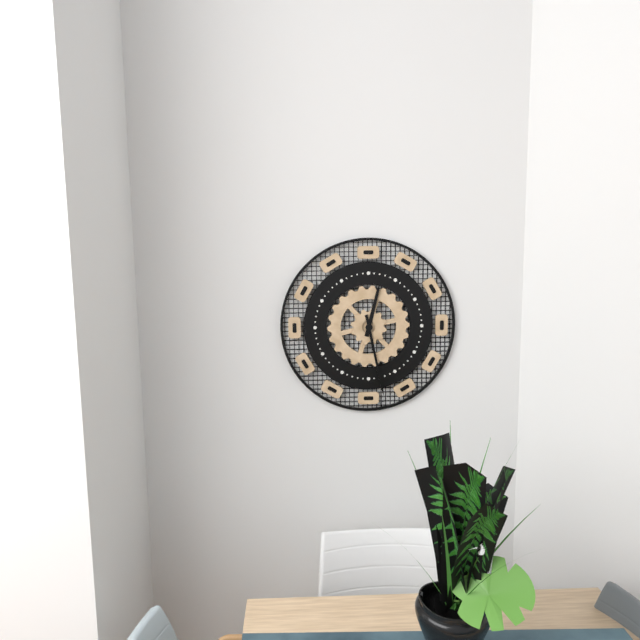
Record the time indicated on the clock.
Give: 12:28
